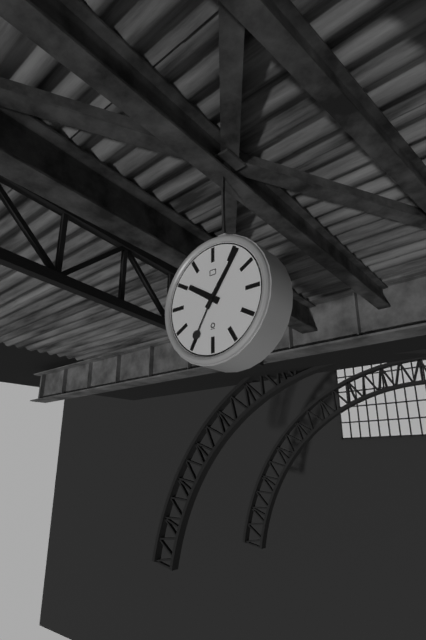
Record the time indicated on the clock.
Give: 10:06:35
